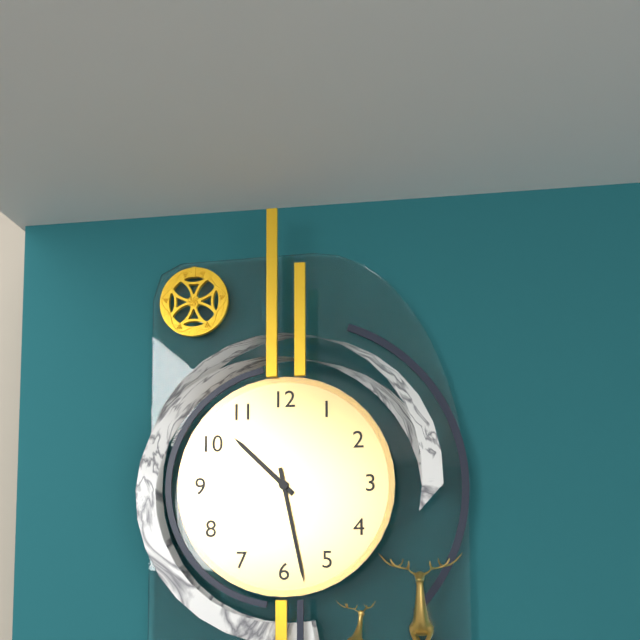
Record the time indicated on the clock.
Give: 10:28
